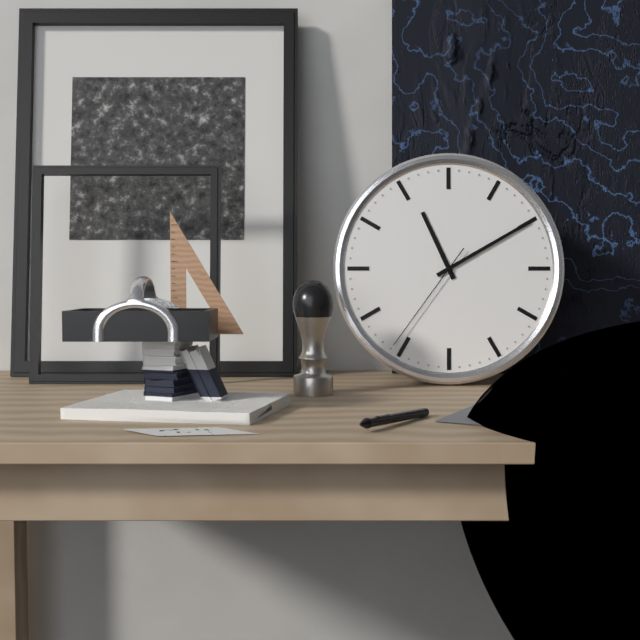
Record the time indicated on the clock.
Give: 11:10:36
